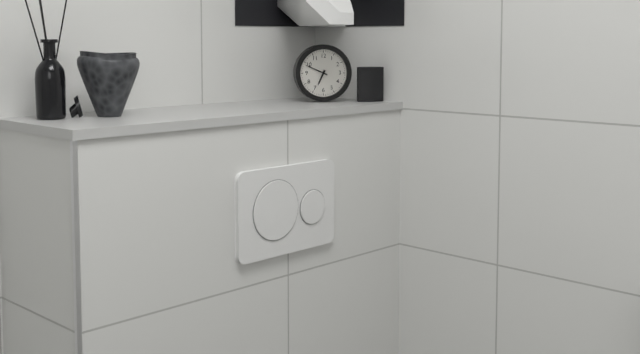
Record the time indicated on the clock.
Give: 6:49
